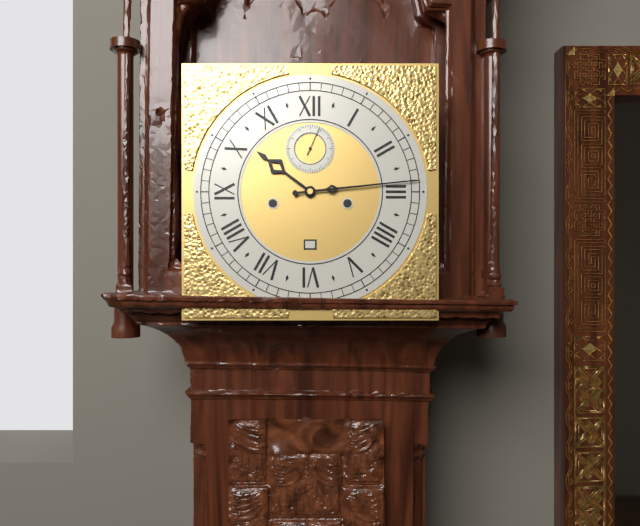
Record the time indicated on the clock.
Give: 10:14
